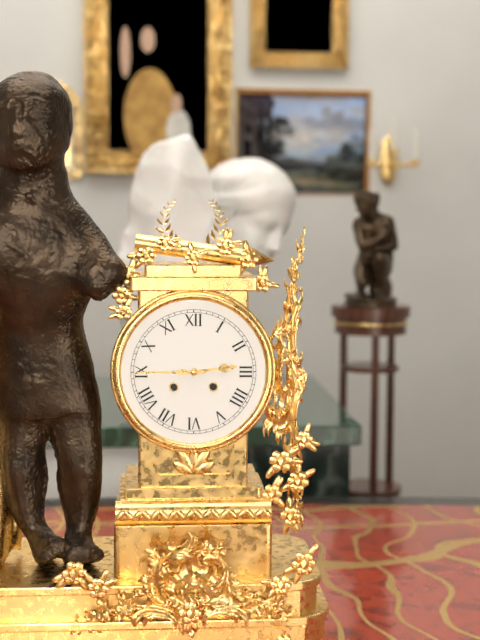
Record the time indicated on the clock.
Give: 2:45
